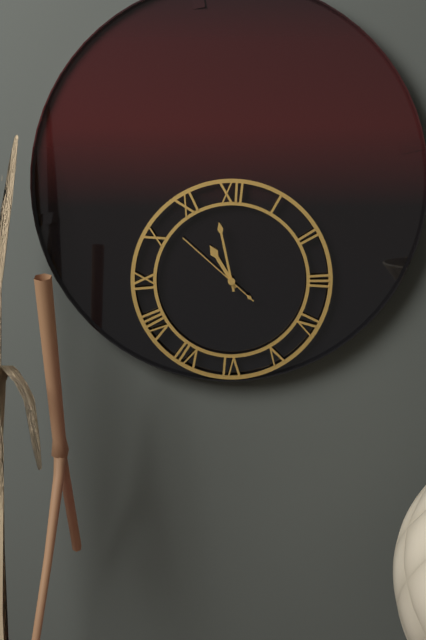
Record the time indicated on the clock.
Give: 10:58:52
